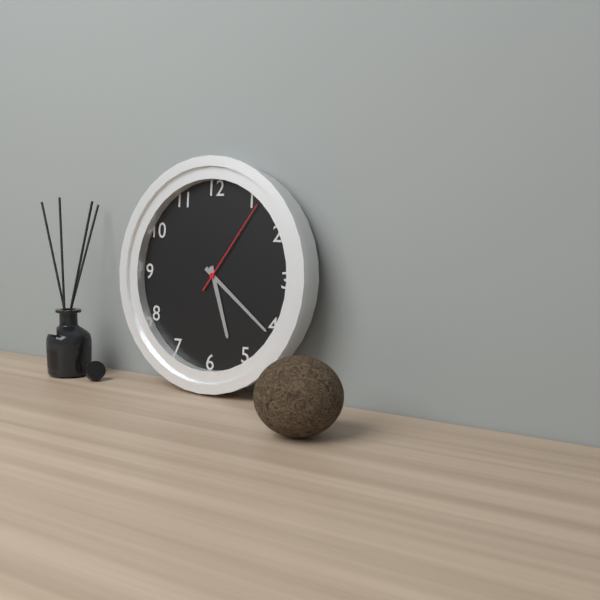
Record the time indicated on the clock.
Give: 5:21:06
